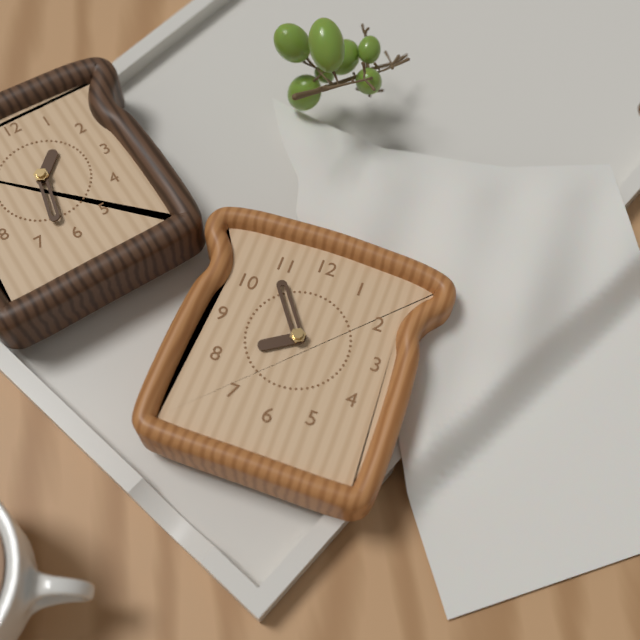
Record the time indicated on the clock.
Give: 7:54
